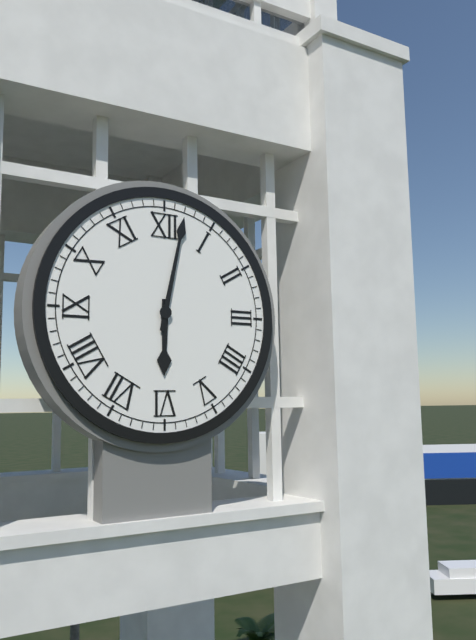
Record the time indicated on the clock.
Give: 6:02
